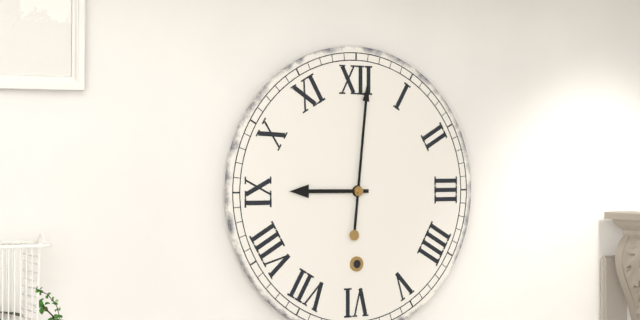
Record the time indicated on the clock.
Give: 9:01
